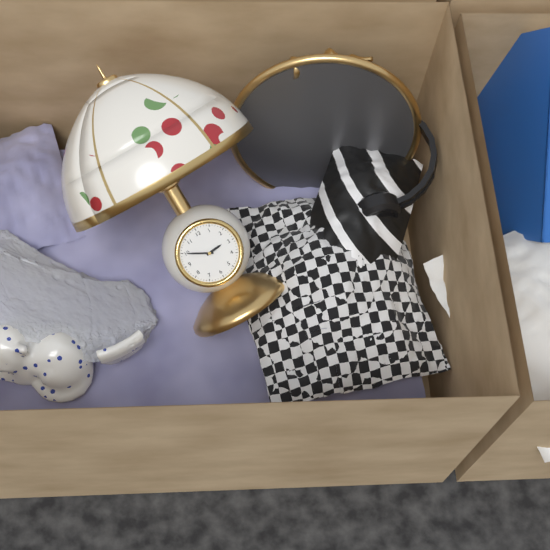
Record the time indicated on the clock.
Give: 2:50
